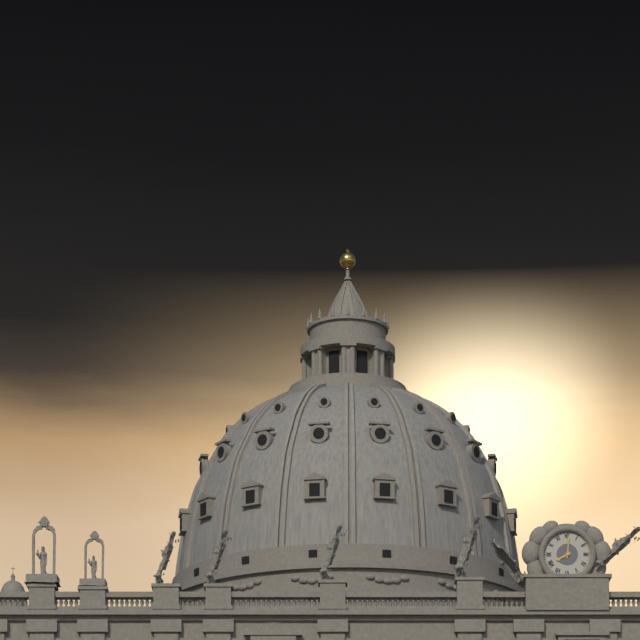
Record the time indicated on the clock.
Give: 8:01
